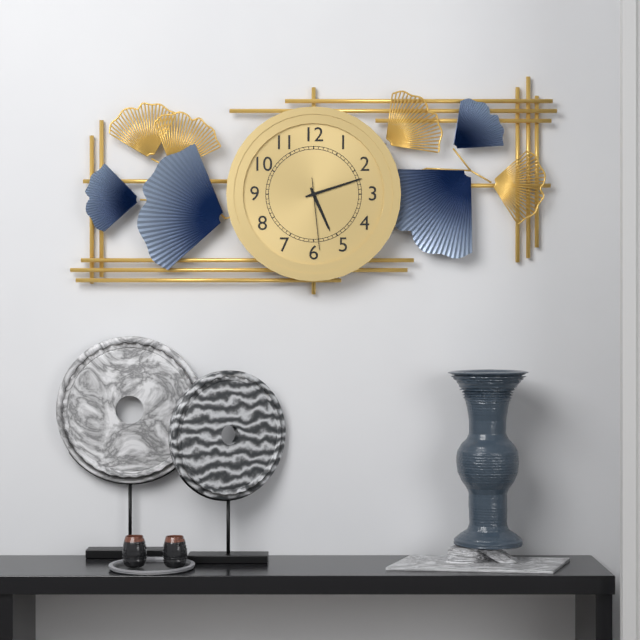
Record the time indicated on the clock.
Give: 5:12:29
